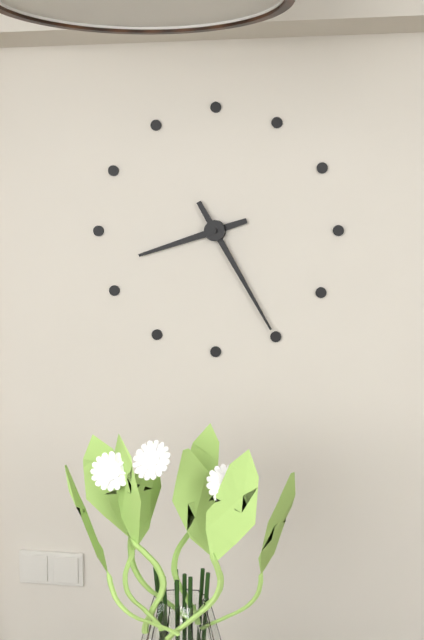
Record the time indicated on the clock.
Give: 8:25
